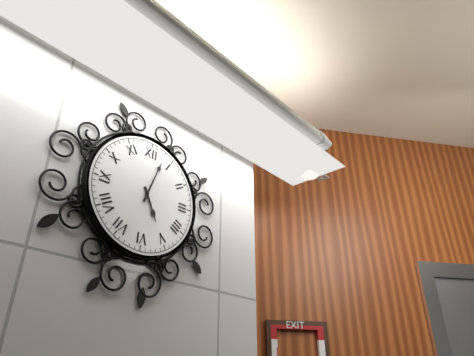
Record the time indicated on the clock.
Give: 5:03
